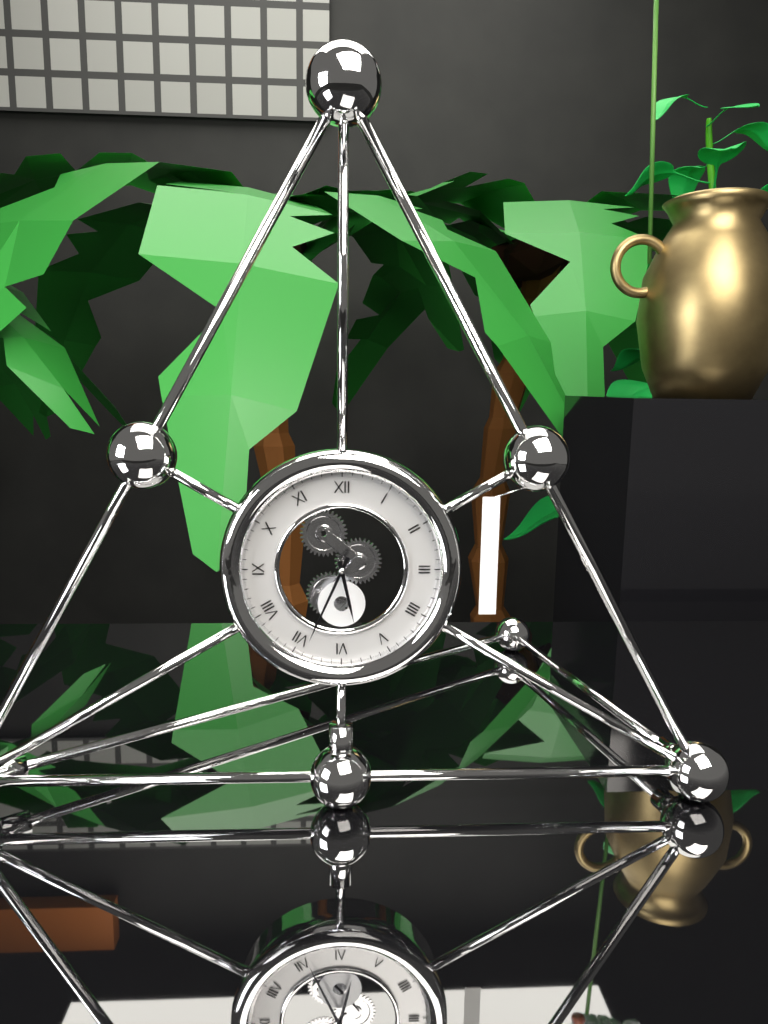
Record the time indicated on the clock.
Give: 5:34
